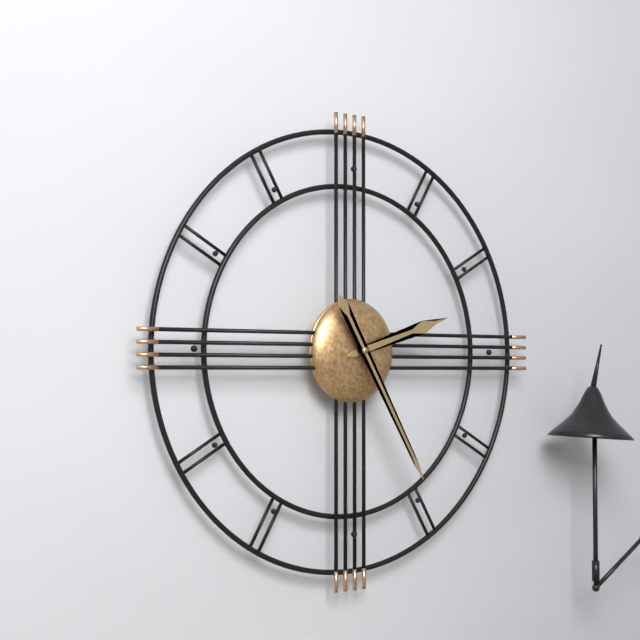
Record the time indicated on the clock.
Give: 2:25
